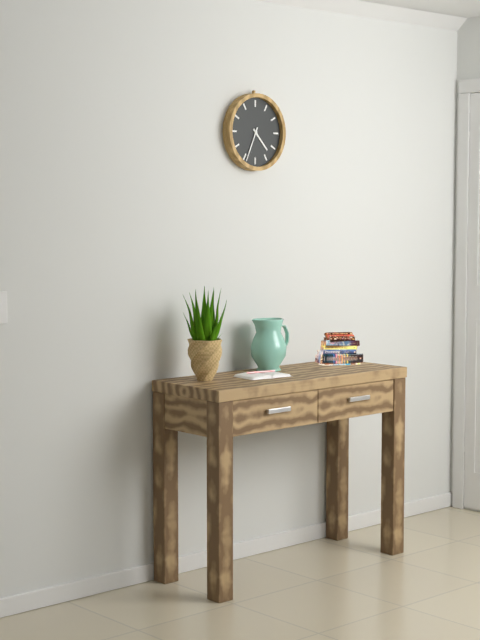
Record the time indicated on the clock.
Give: 4:34
